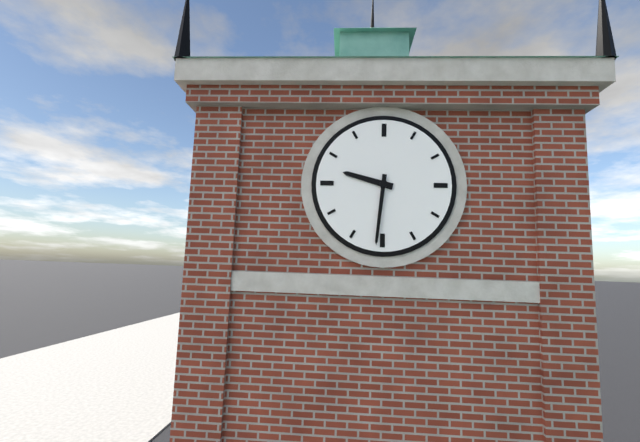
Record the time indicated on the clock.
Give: 9:31
